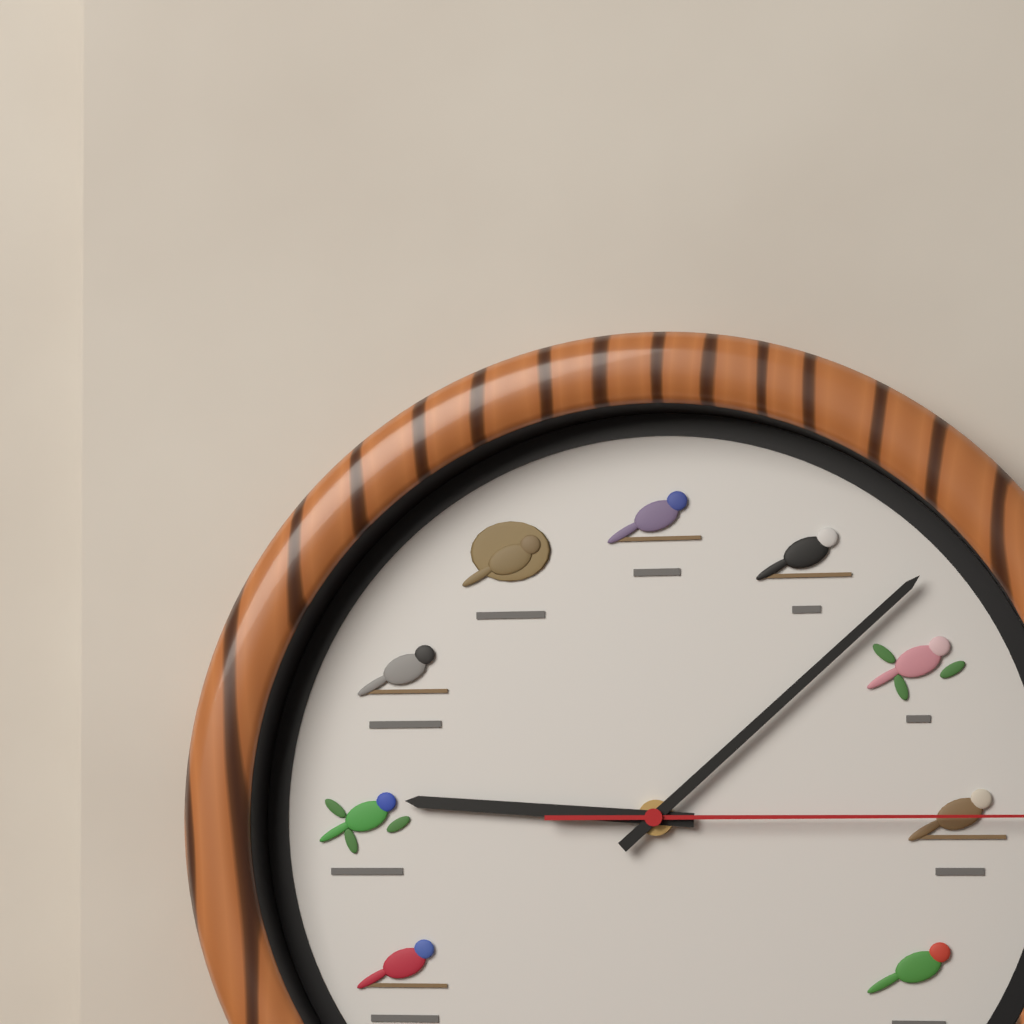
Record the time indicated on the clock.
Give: 9:08
